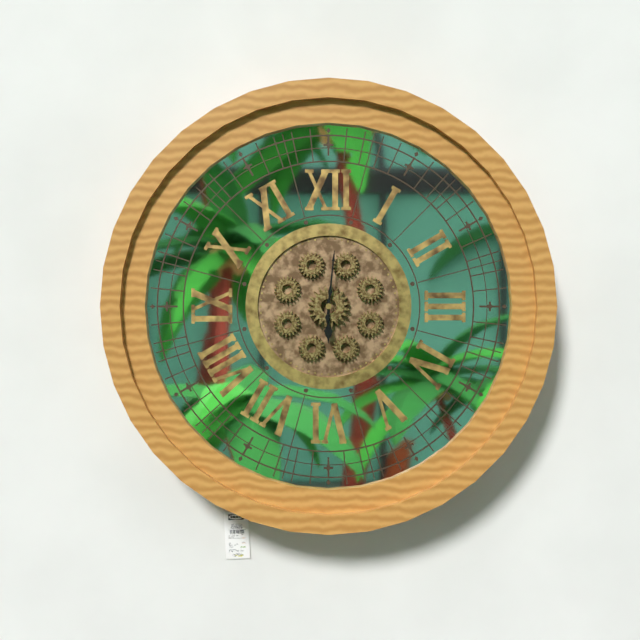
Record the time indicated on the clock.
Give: 6:01
